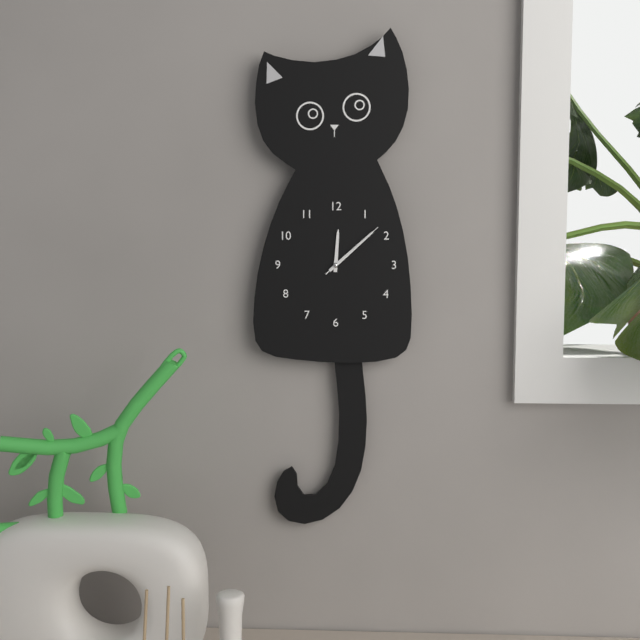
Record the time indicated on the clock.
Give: 12:08:08
